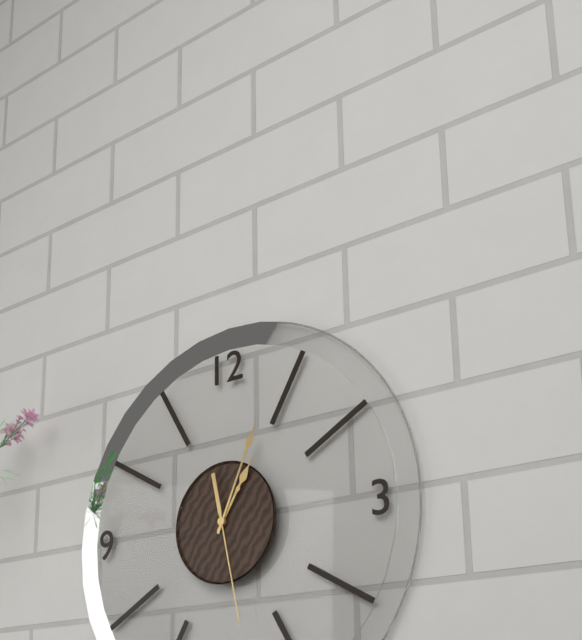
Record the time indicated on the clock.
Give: 1:04:28
